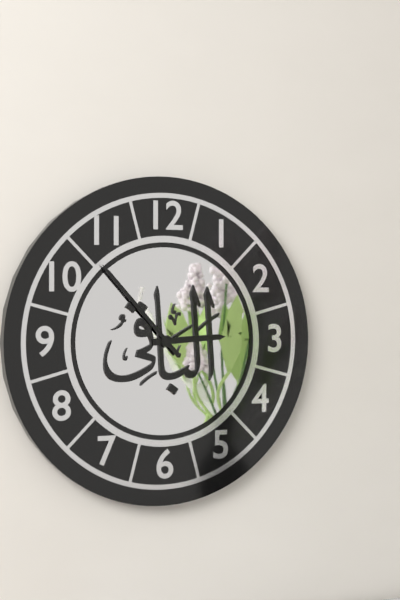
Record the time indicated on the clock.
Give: 2:53
